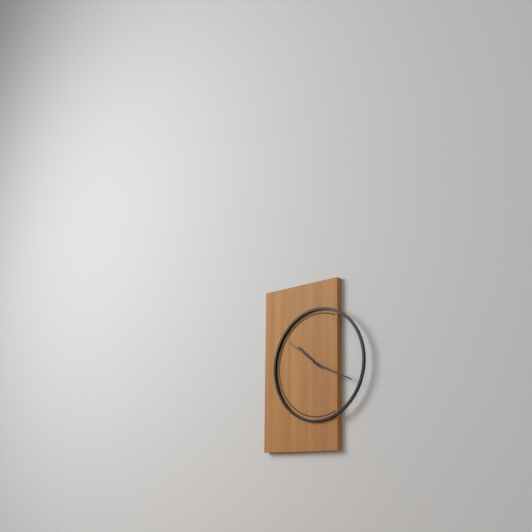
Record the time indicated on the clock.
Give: 10:19
